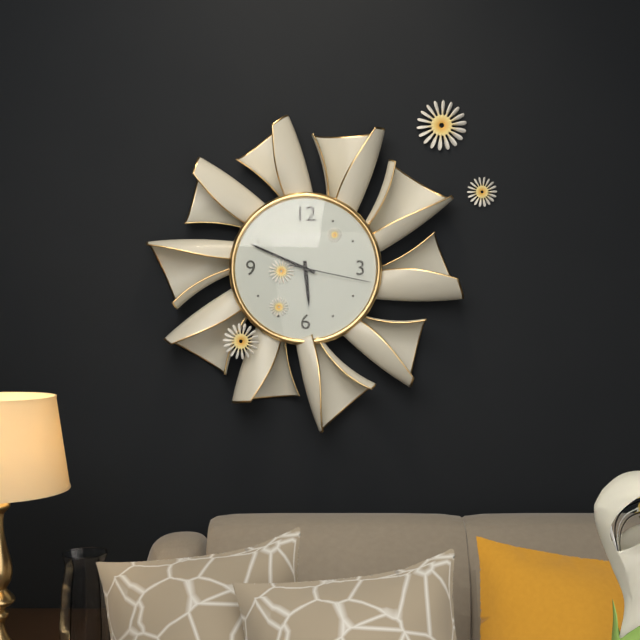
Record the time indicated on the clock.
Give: 5:49:17
